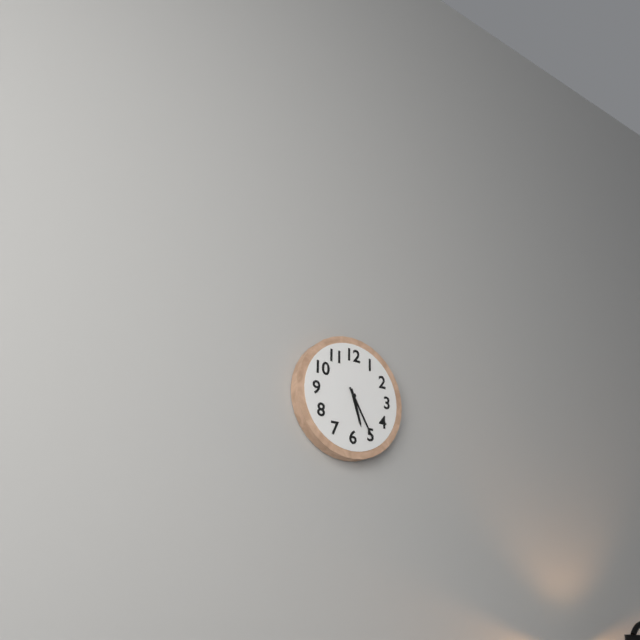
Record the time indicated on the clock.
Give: 5:25
